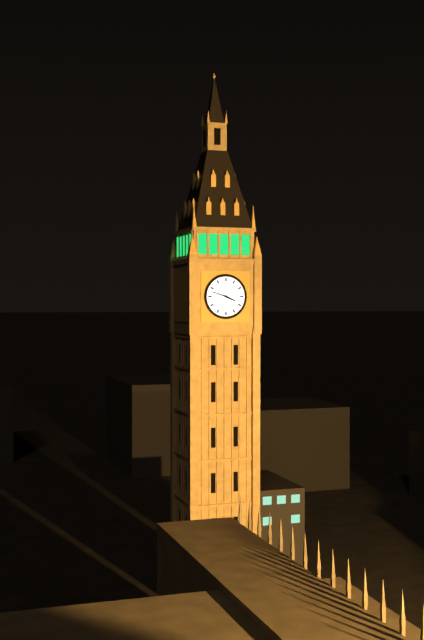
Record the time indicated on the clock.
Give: 3:48
